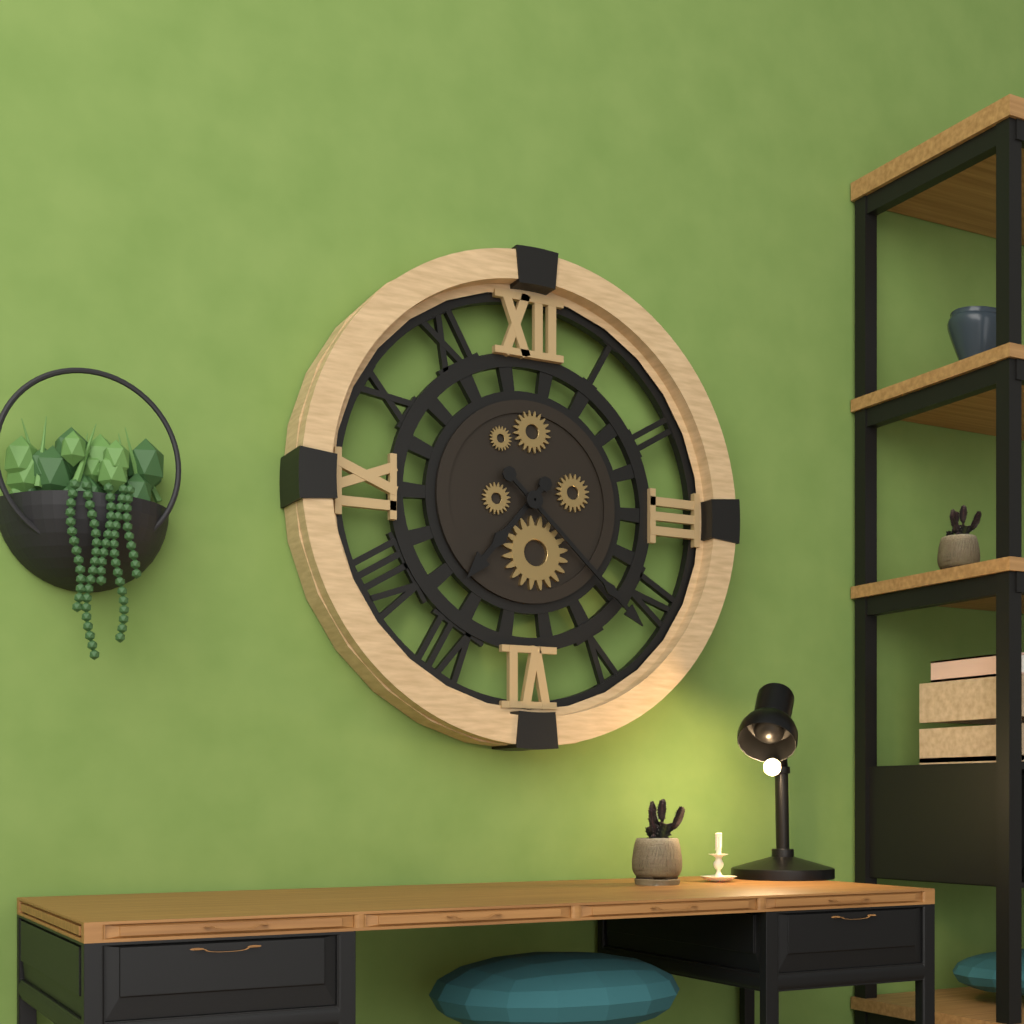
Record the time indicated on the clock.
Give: 7:22
